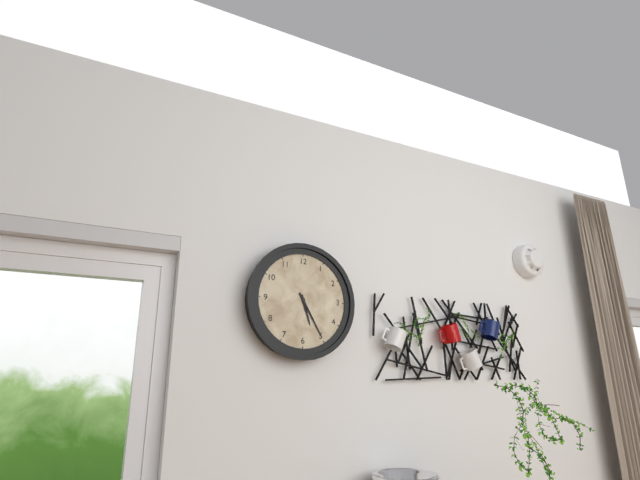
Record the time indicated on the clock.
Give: 5:25
